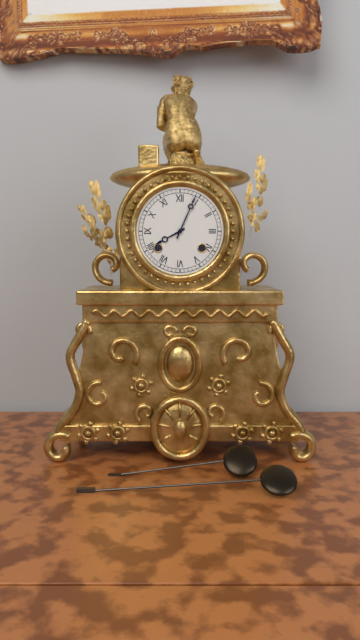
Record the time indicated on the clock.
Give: 8:04
